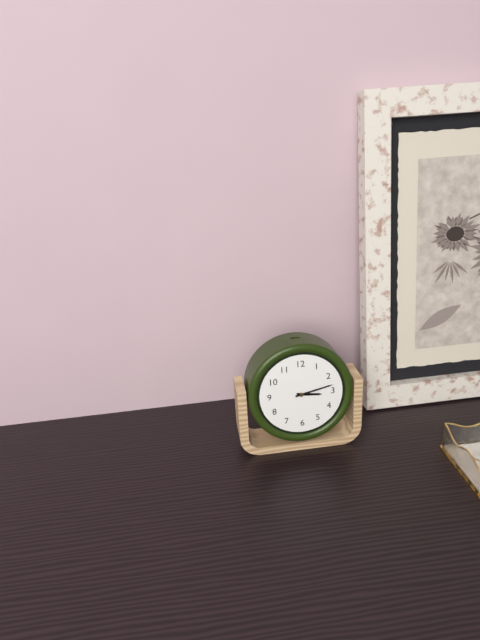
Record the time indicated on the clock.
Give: 3:13
